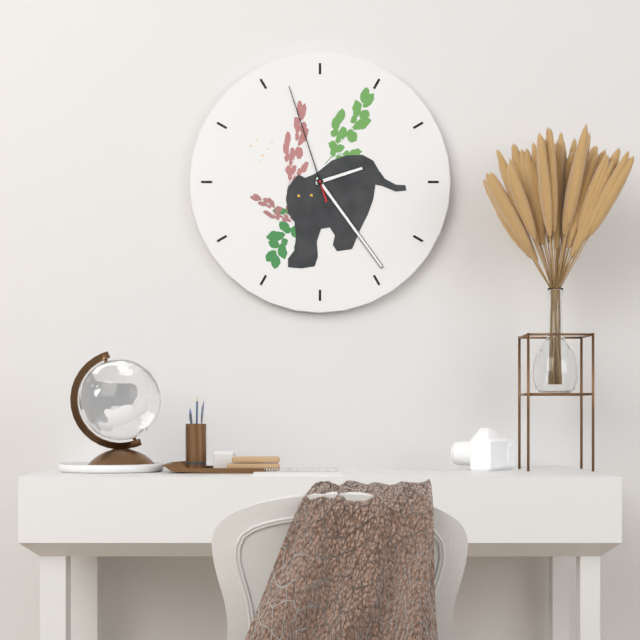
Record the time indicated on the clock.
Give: 2:24:57
